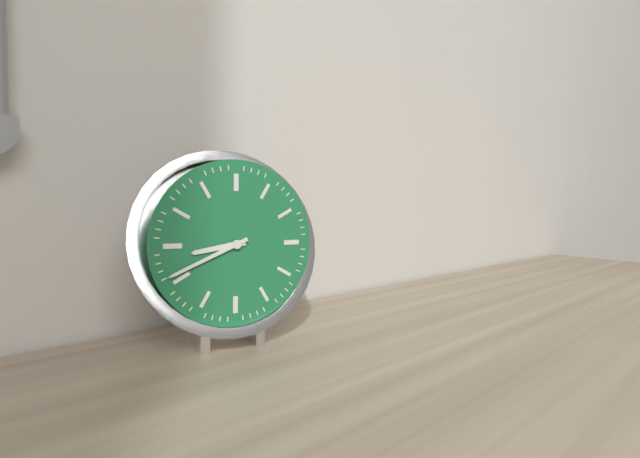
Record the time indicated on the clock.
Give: 8:41
